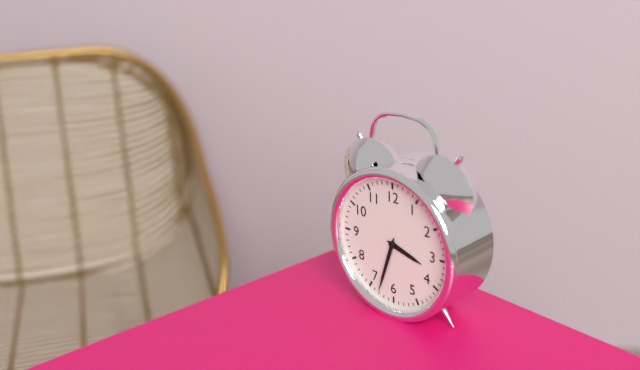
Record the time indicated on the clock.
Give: 3:33
